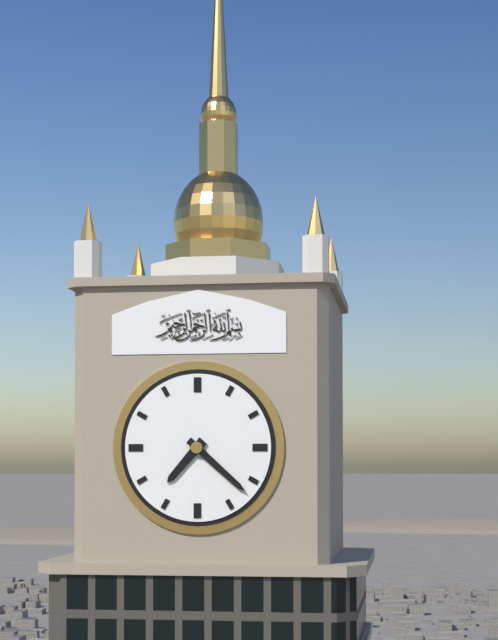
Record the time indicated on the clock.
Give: 7:22
